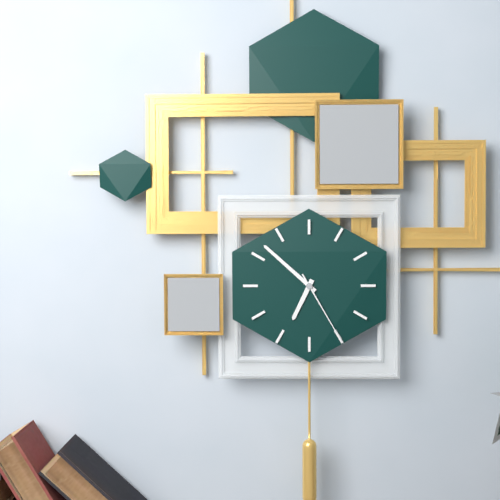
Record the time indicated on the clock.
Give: 6:52:25
